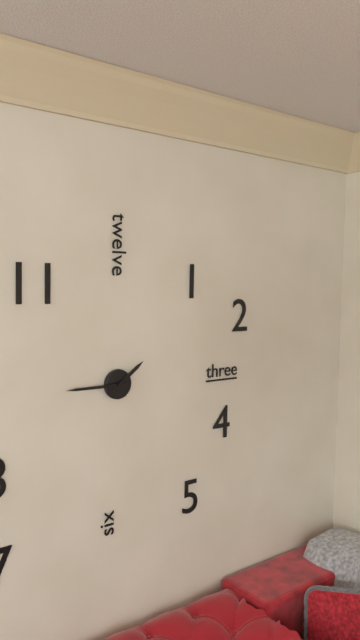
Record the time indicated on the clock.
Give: 1:45
